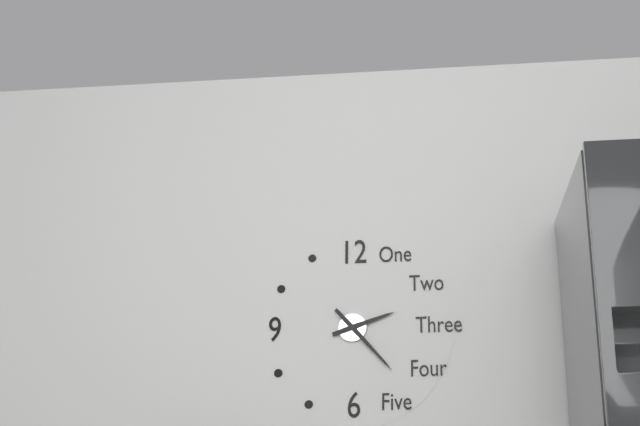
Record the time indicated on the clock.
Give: 2:23
